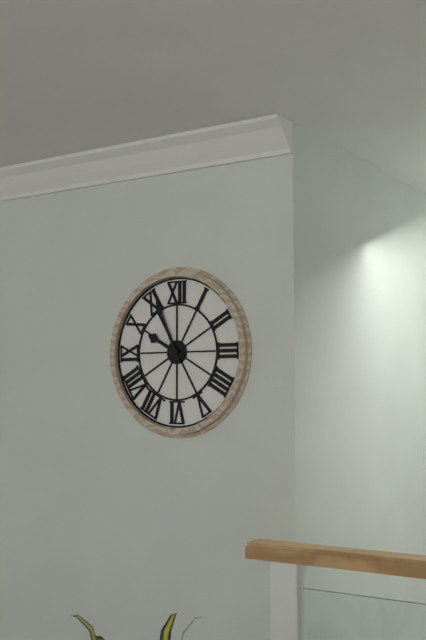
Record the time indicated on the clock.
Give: 9:56
